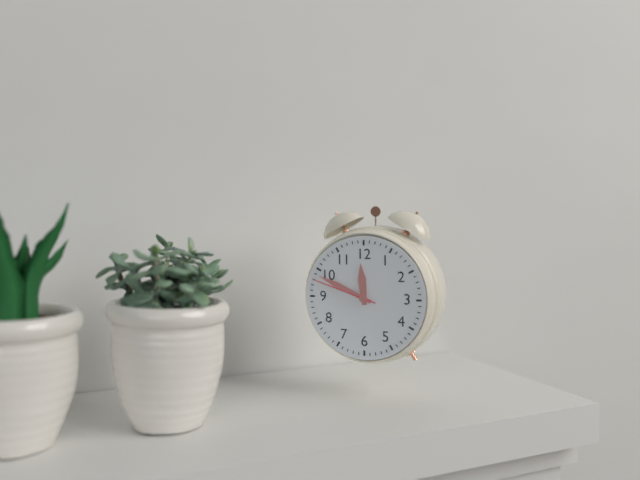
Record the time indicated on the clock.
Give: 11:49:48
